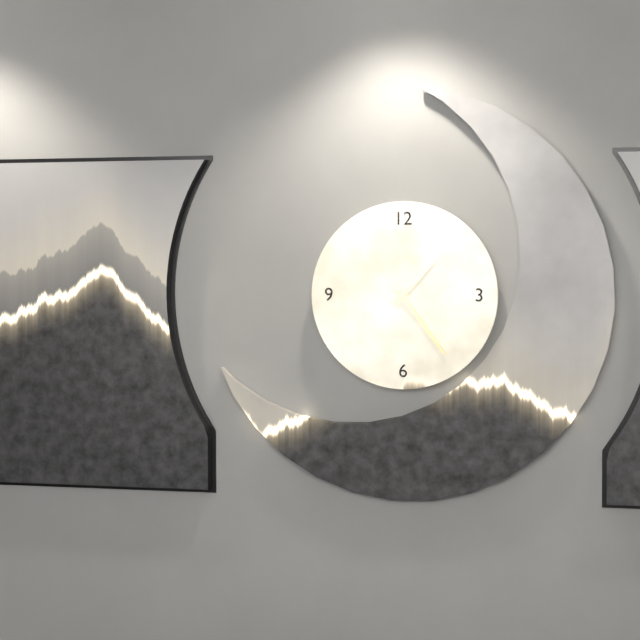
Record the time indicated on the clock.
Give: 1:24
